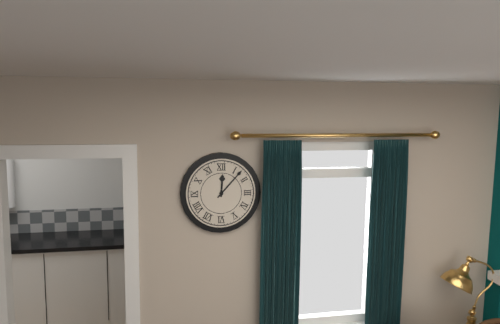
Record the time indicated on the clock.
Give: 12:07
